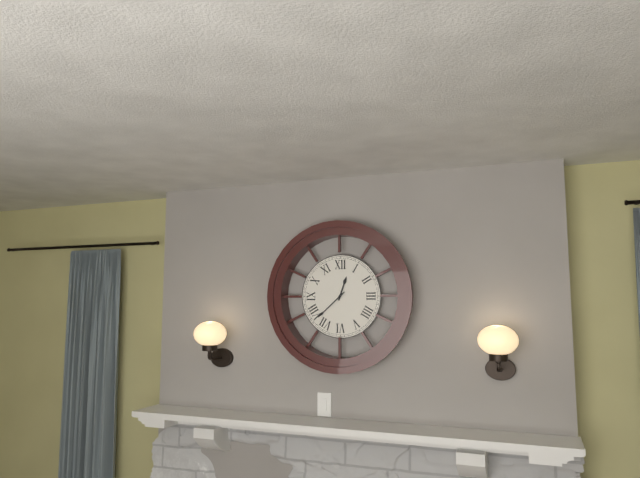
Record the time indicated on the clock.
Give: 12:38
